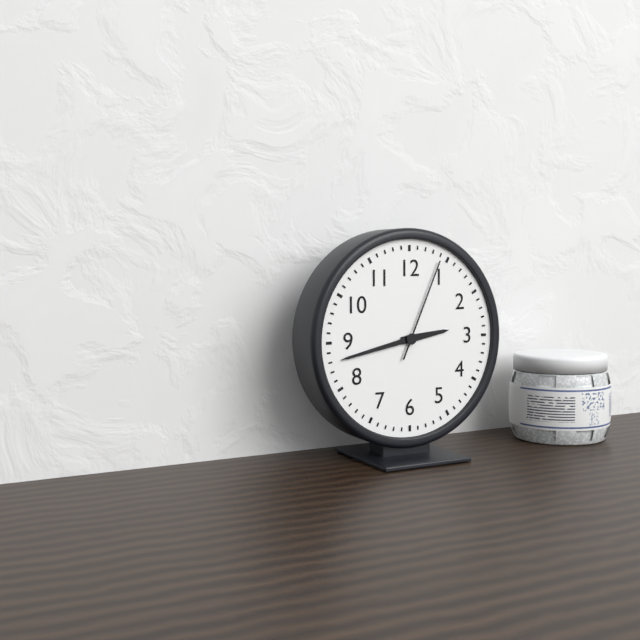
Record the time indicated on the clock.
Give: 2:43:04
